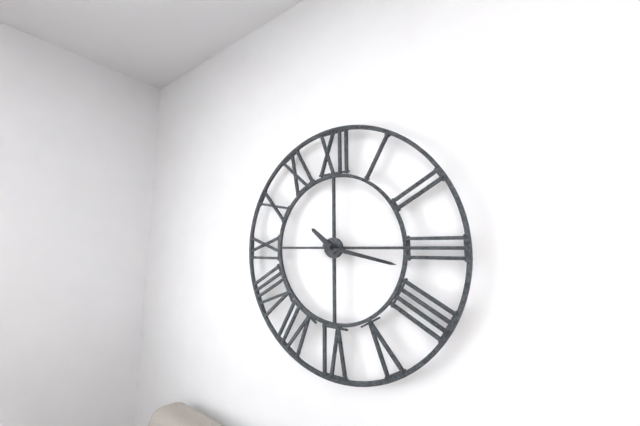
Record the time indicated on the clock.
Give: 10:17
